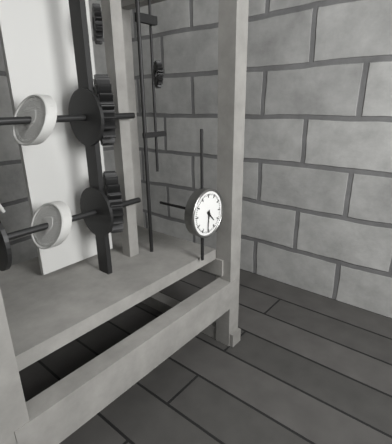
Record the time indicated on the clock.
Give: 4:31
